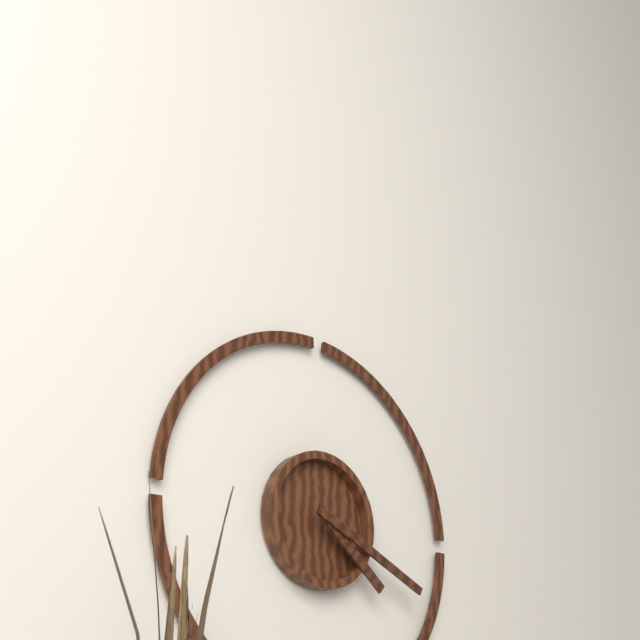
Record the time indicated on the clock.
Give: 4:19
